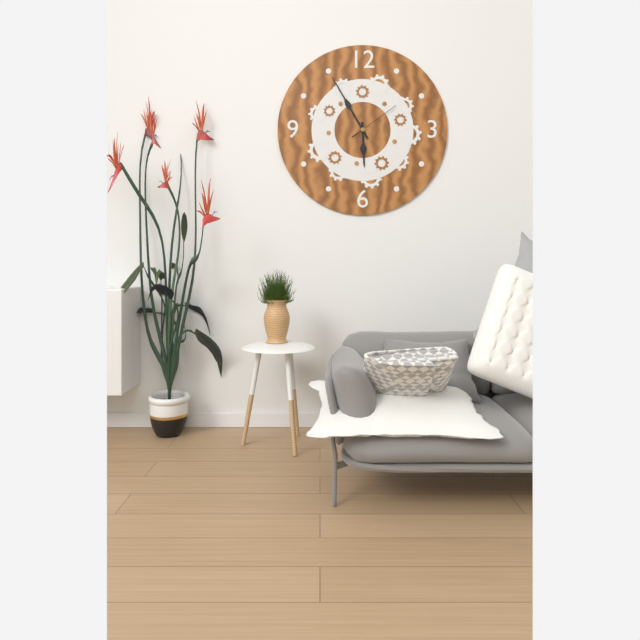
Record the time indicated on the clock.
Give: 5:55:09
